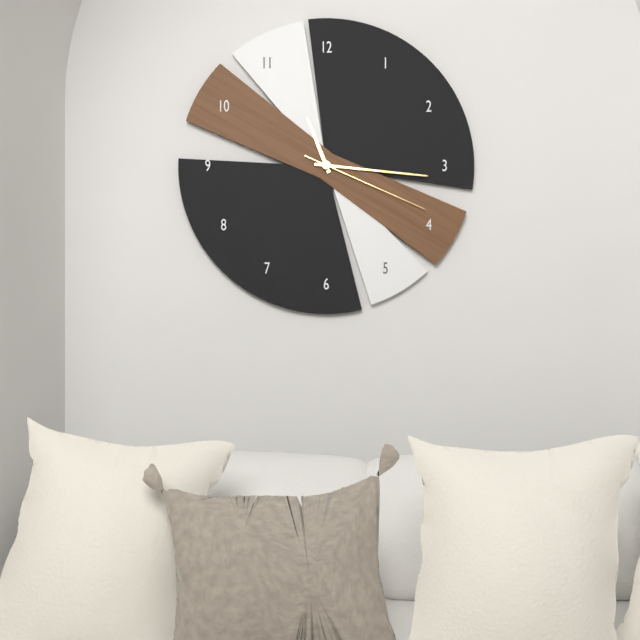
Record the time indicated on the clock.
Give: 11:16:19
